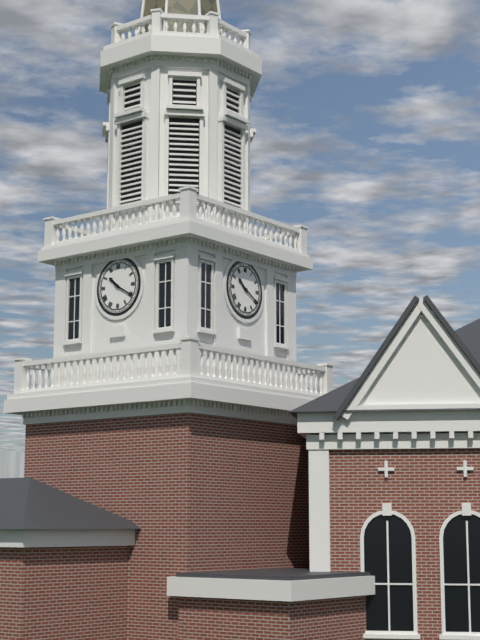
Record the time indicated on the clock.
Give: 10:20
